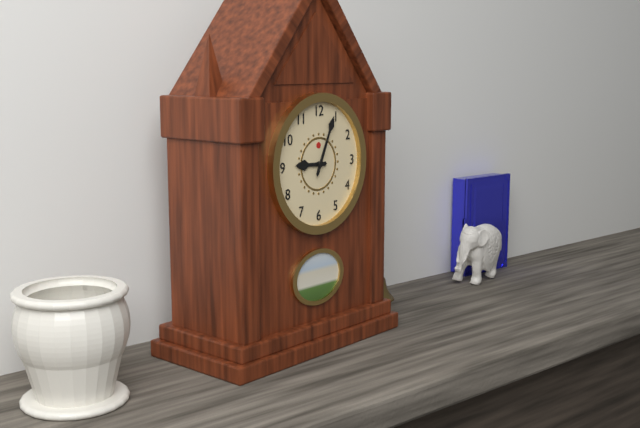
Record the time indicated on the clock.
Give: 9:04
